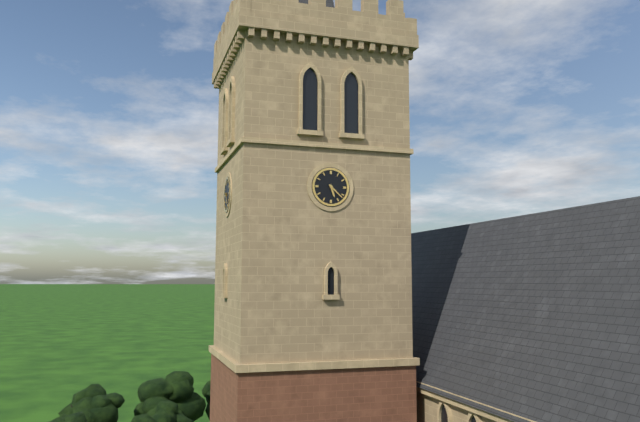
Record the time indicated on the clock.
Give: 5:22
